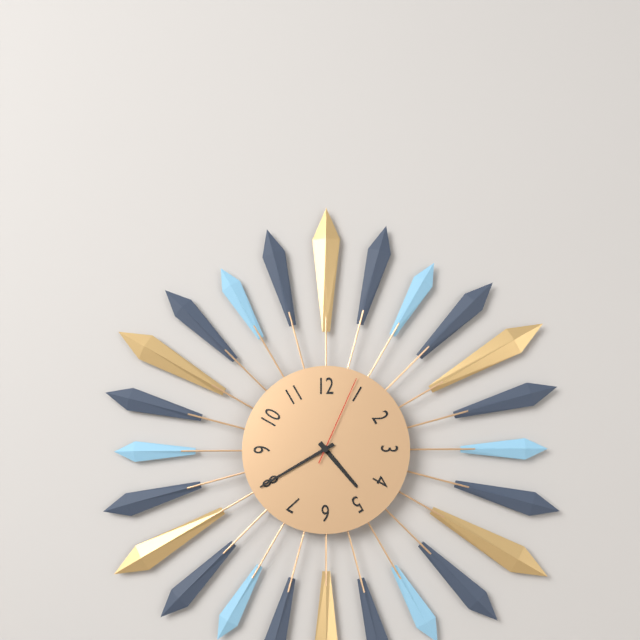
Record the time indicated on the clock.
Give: 4:40:04
